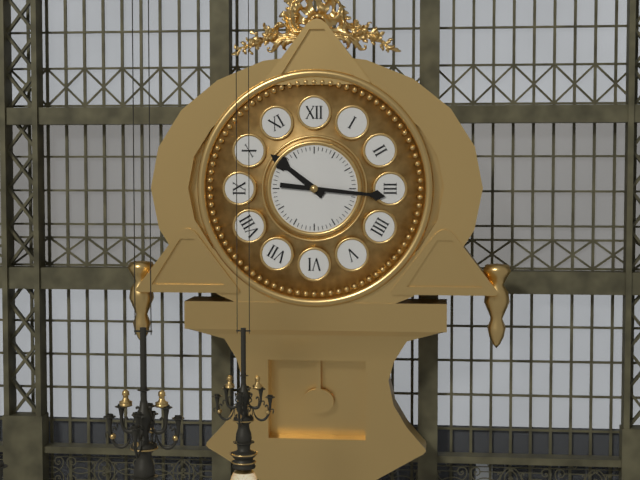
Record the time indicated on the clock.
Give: 10:16
